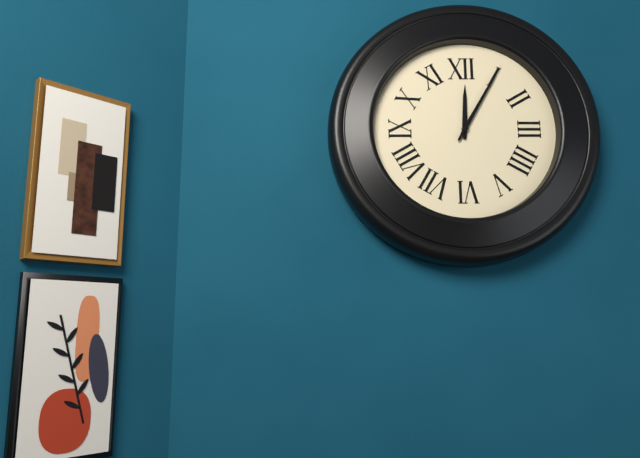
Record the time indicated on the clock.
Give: 12:05
